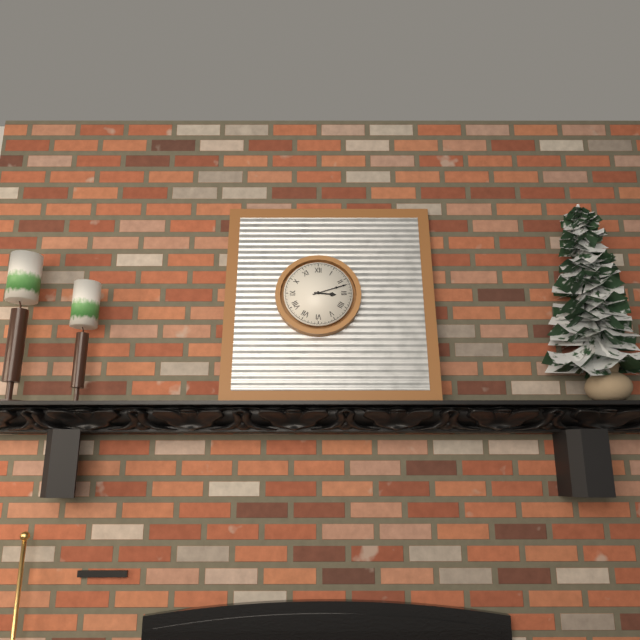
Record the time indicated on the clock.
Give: 3:12
